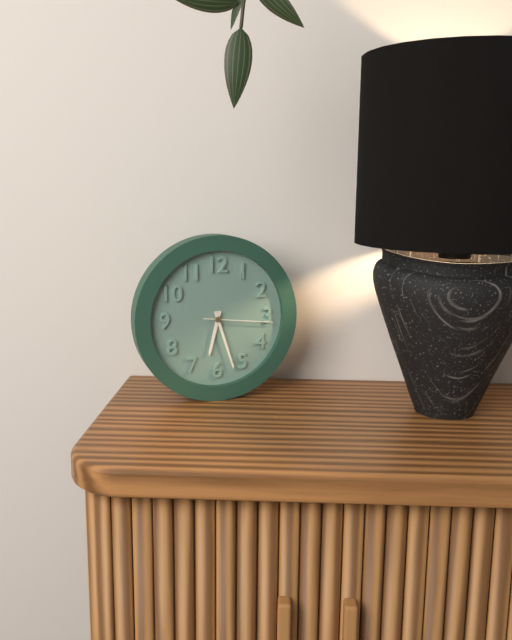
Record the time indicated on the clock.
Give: 6:27:16
